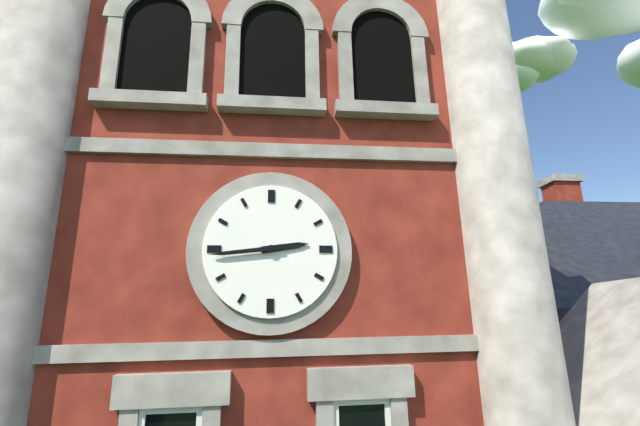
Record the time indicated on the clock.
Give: 2:44
